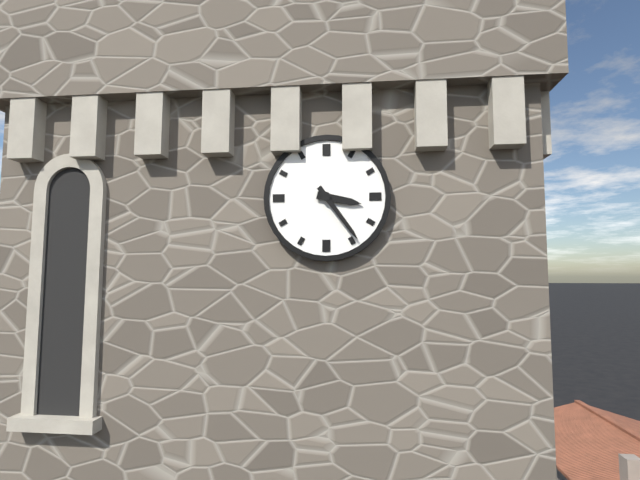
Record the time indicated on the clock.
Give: 3:24
